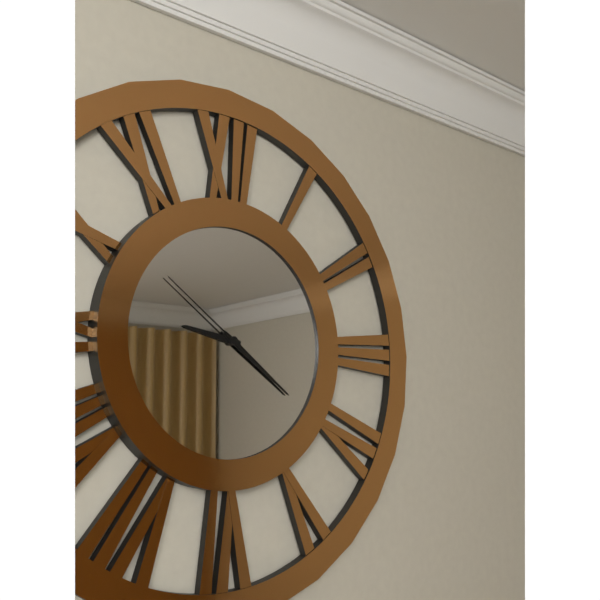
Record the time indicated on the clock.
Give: 9:21:51
